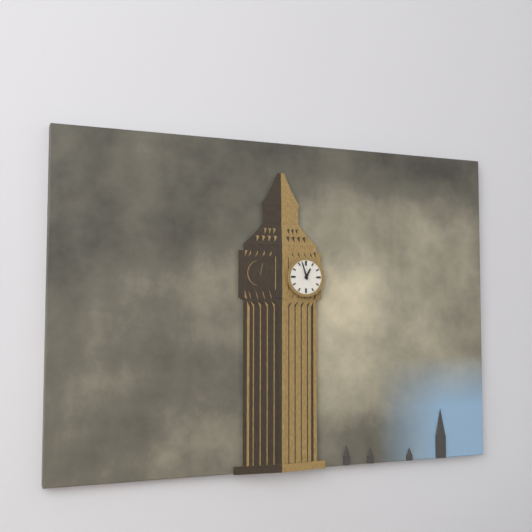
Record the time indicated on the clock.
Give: 12:57
